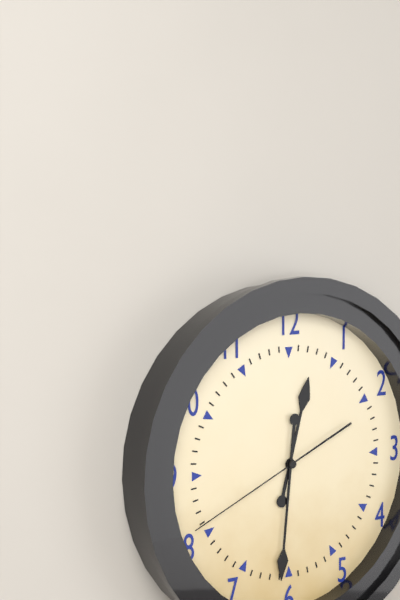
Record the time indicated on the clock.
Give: 12:31:41
